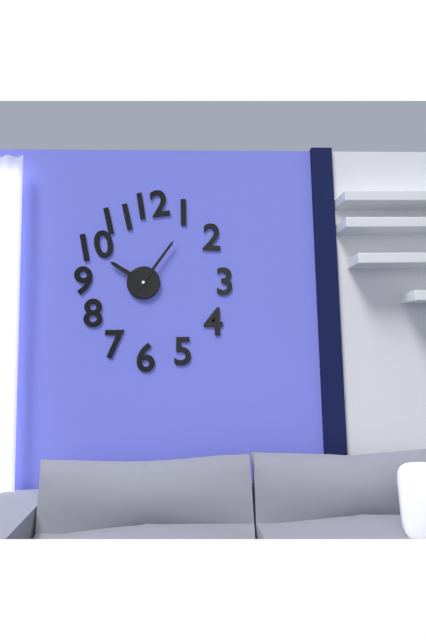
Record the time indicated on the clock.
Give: 10:06
